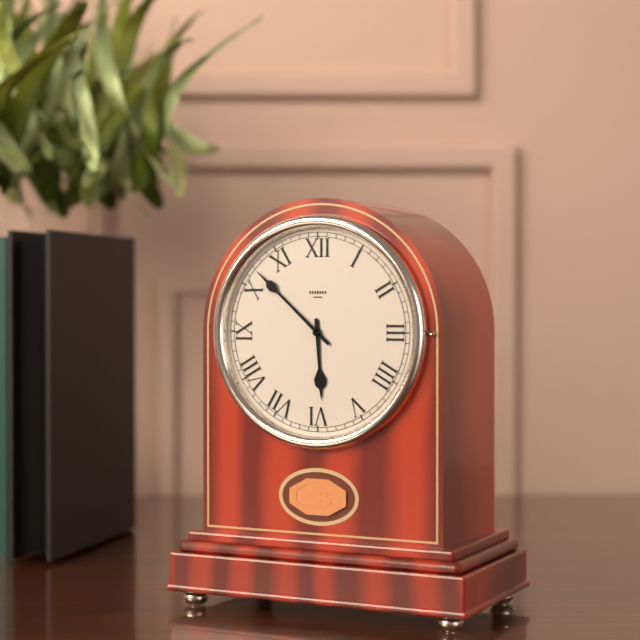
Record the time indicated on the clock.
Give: 5:52
